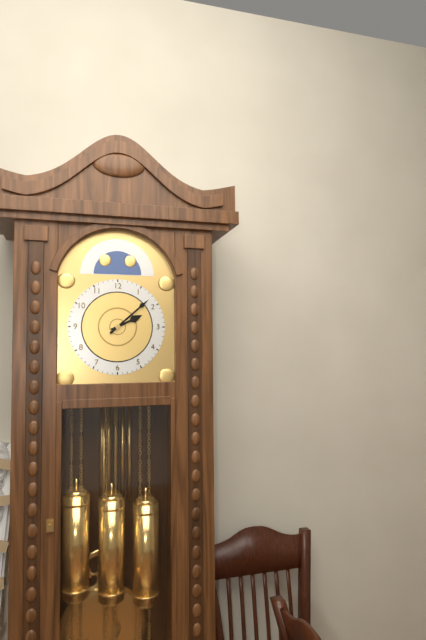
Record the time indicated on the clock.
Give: 2:08
